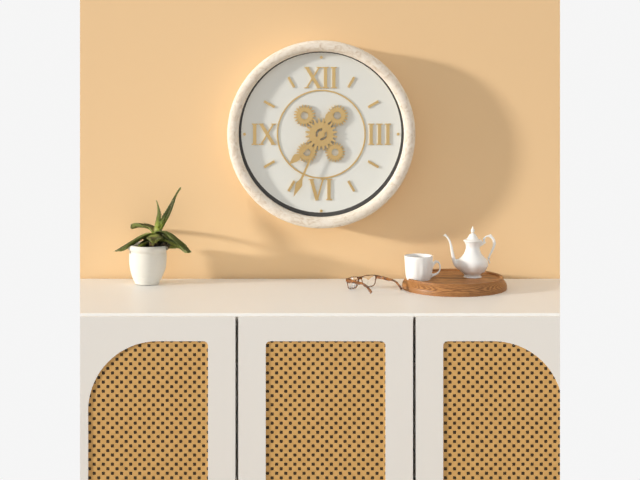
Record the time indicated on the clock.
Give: 7:34
